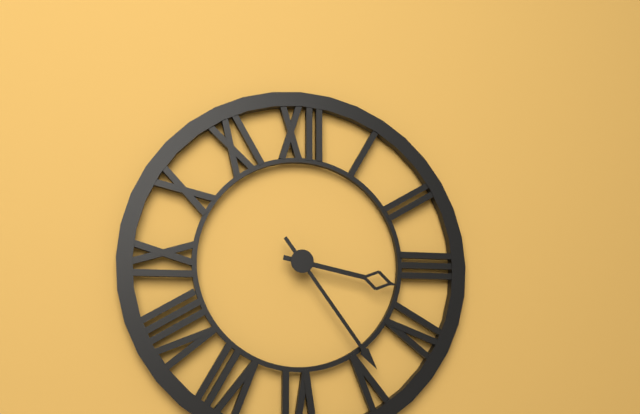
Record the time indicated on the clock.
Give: 3:24
